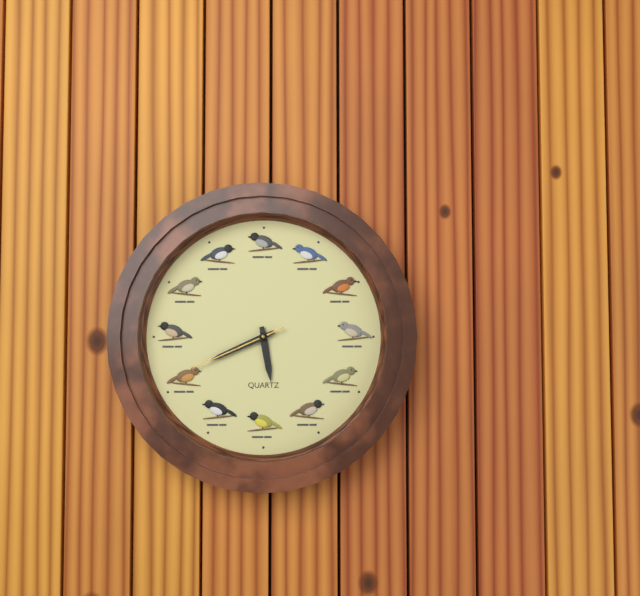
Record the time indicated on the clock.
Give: 5:41:41
